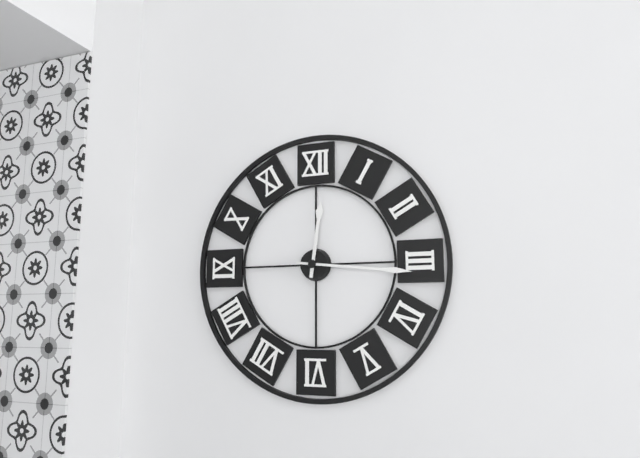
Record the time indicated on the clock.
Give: 12:16
